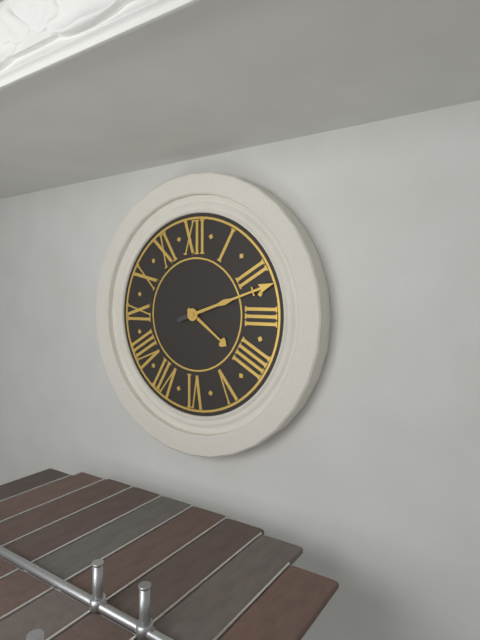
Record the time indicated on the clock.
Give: 4:12
